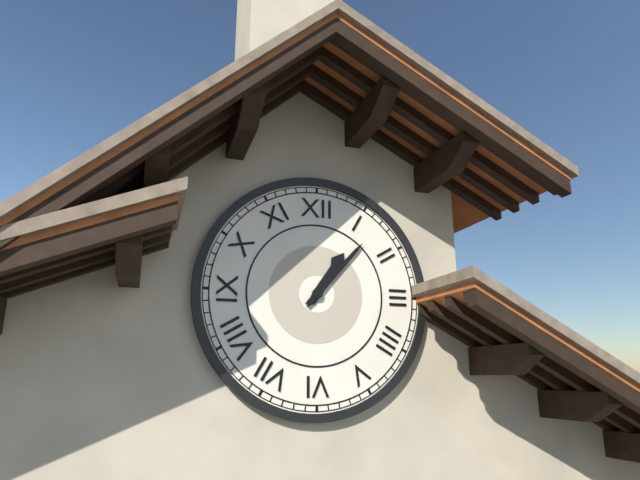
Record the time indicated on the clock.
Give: 1:07
